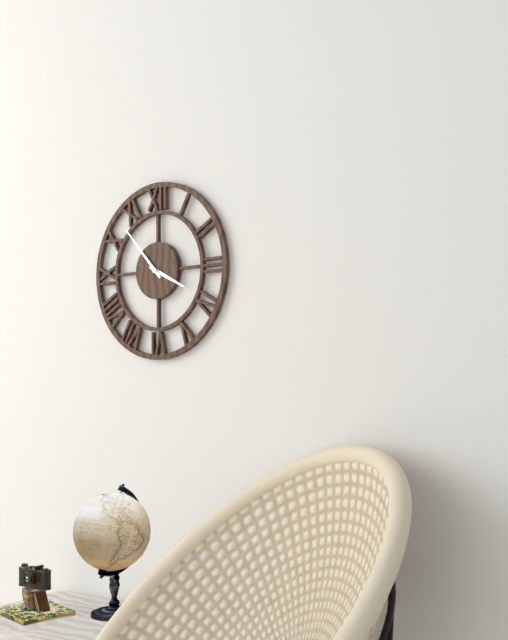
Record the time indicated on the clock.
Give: 3:53
